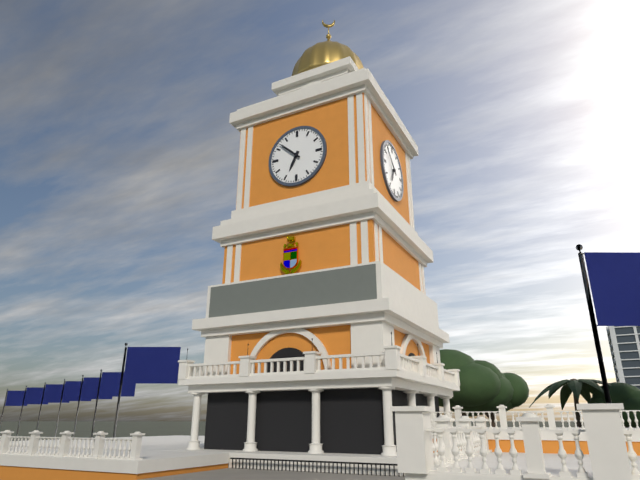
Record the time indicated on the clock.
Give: 6:52
